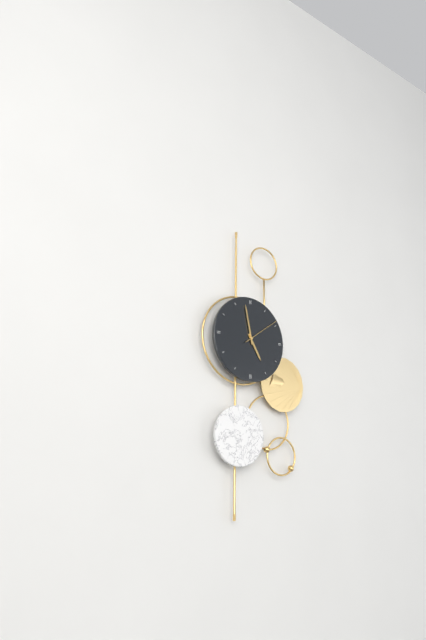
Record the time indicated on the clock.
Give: 4:58
